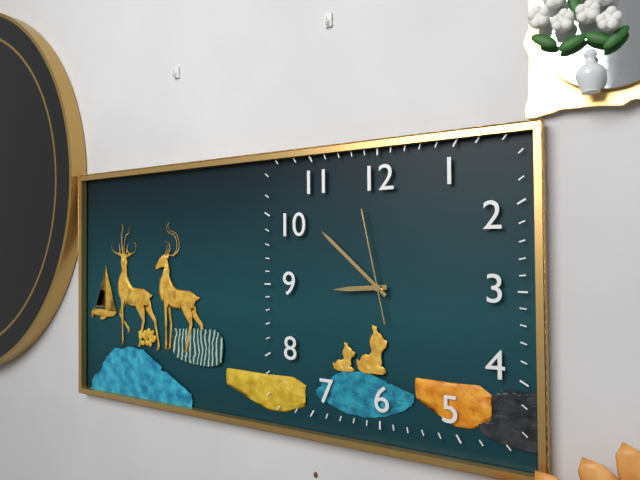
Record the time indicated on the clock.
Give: 8:52:58
